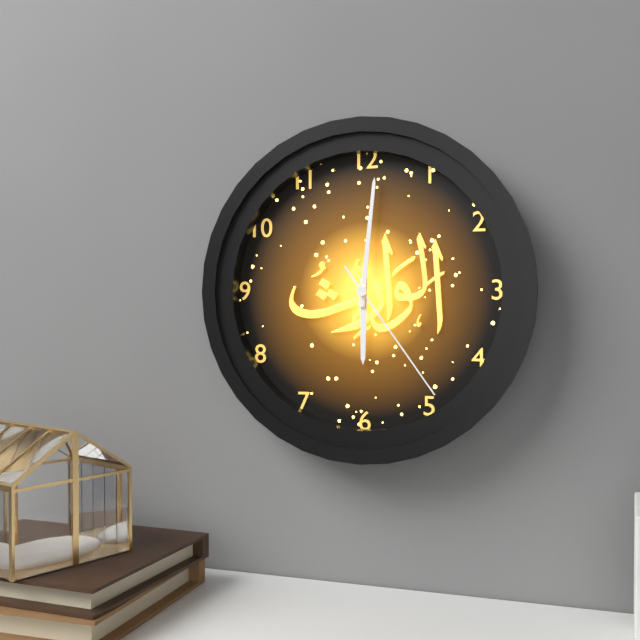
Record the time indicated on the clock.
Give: 6:01:24
